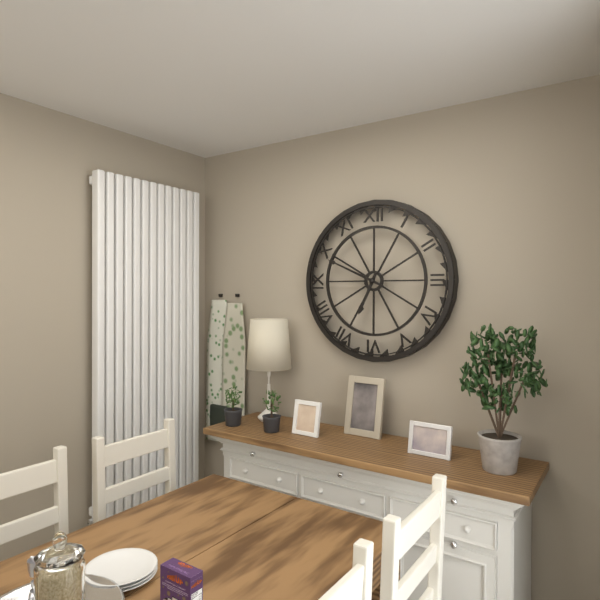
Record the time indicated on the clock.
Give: 6:49
